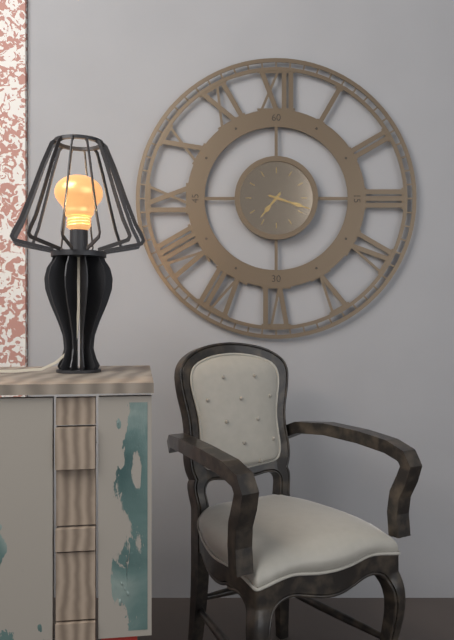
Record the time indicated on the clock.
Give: 7:18
